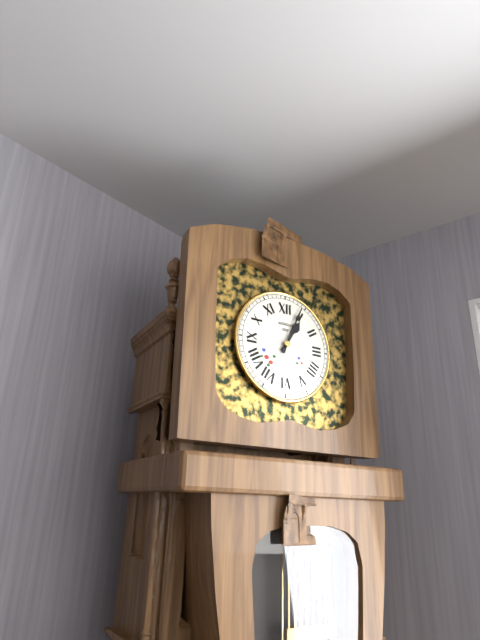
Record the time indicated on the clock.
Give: 1:04
